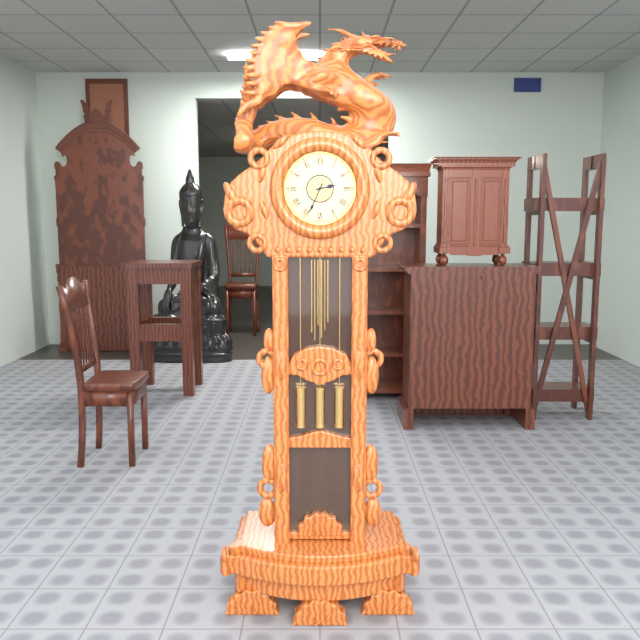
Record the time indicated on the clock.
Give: 2:34
